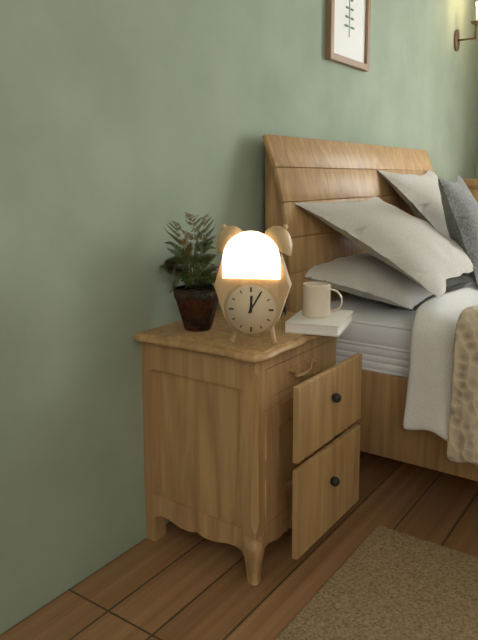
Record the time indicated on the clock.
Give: 12:05
